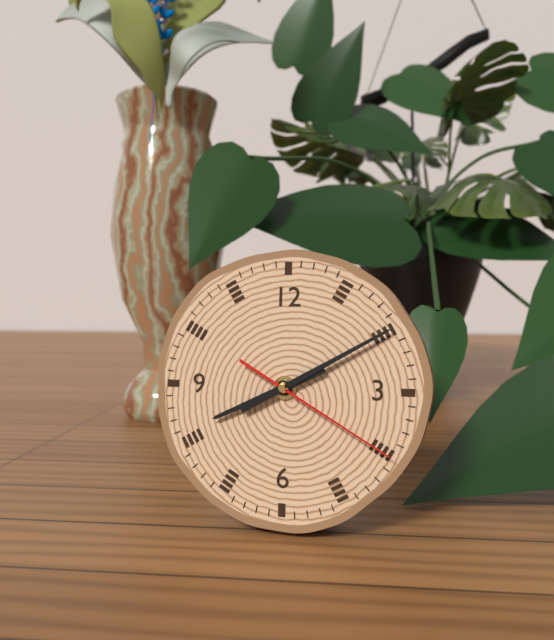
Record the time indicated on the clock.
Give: 8:10:20
